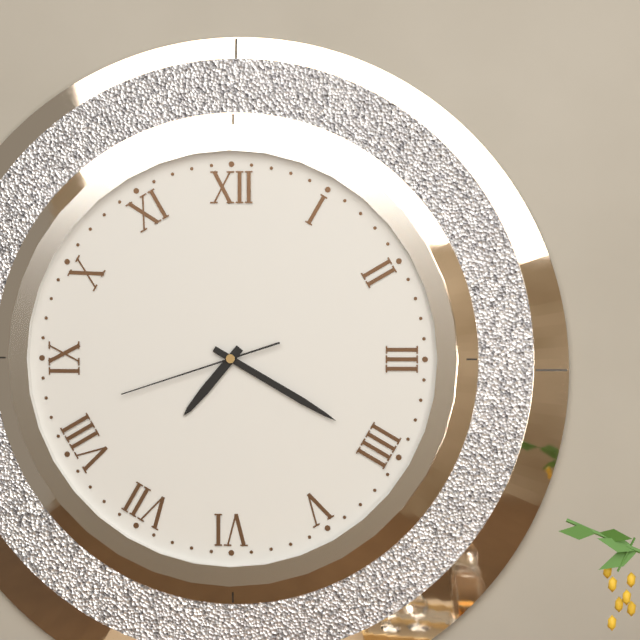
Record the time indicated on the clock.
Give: 7:20:42
